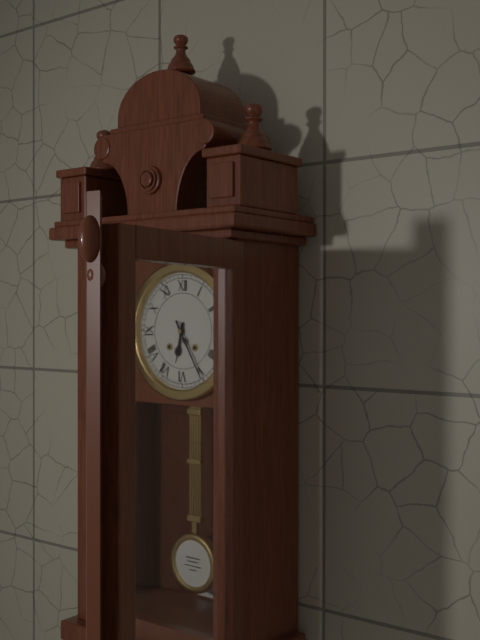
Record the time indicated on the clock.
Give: 6:25
